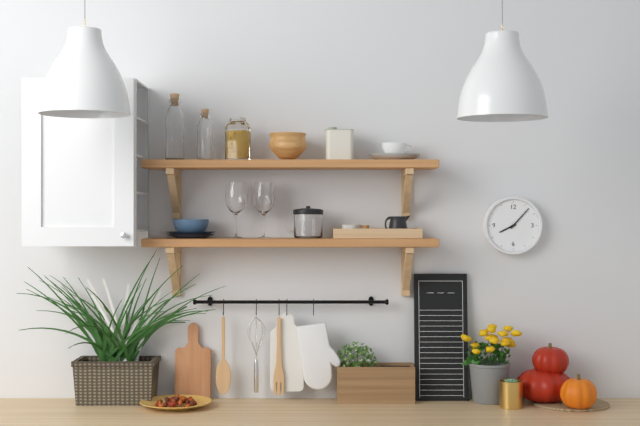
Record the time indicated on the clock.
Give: 8:07
